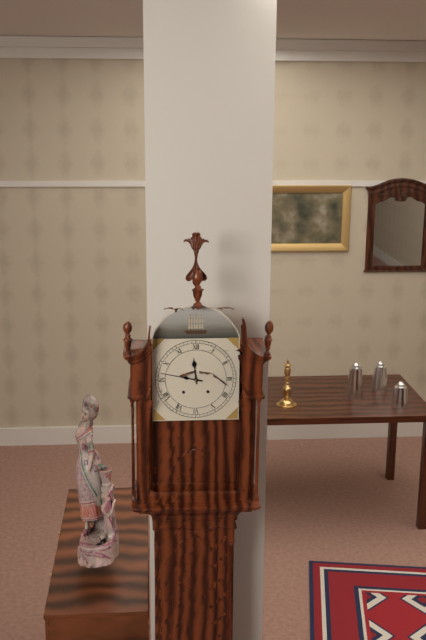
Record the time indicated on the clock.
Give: 11:47
